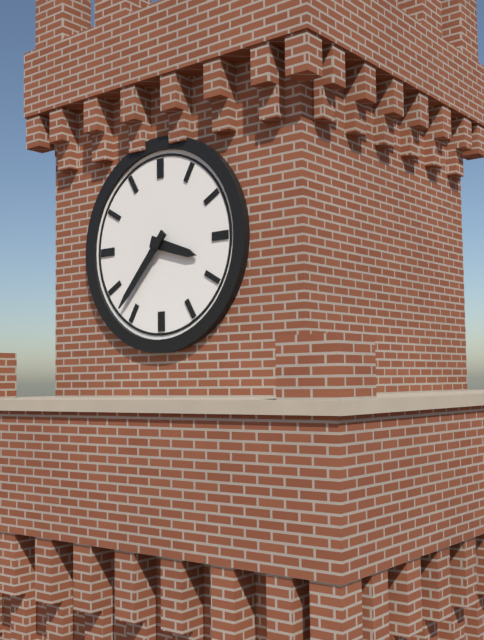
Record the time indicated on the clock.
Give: 3:37
